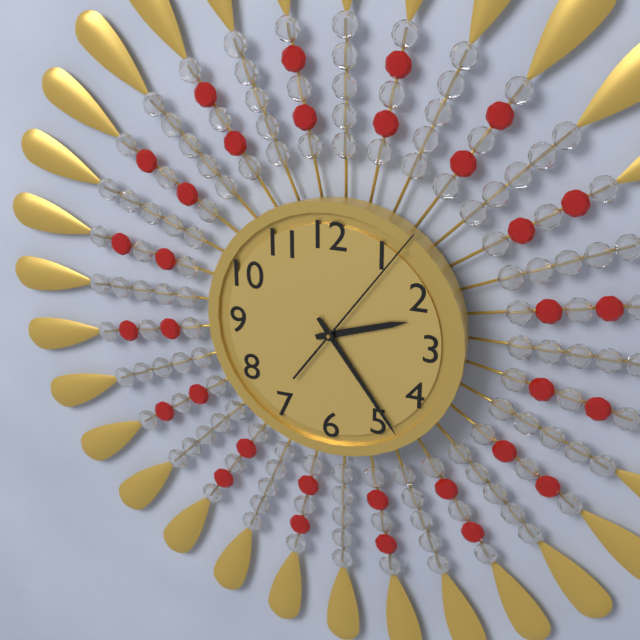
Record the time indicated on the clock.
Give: 2:24:06
